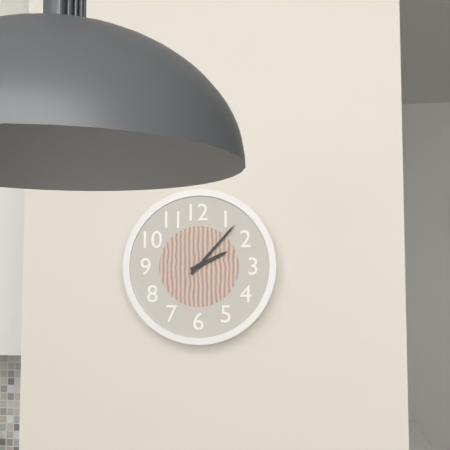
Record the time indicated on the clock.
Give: 2:07
